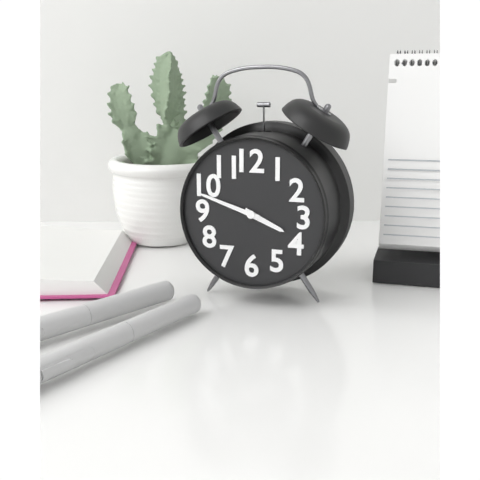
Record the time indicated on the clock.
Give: 3:48
